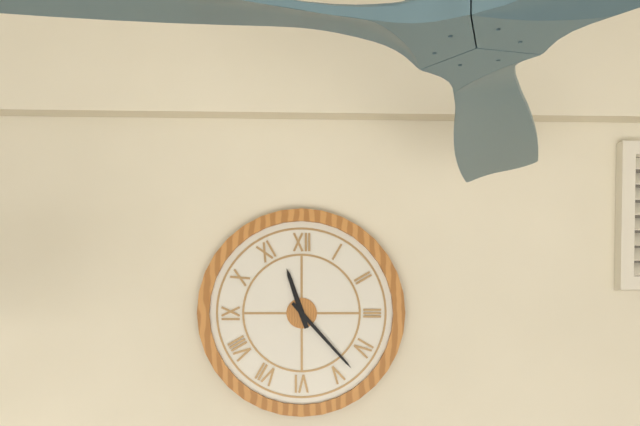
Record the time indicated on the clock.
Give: 11:23
